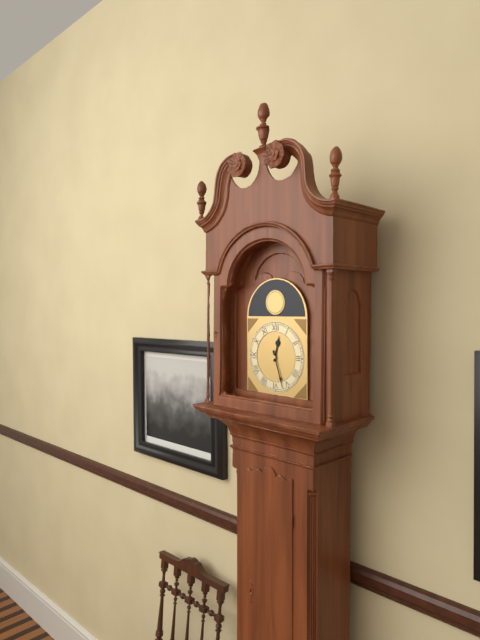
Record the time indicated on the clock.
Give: 12:27
